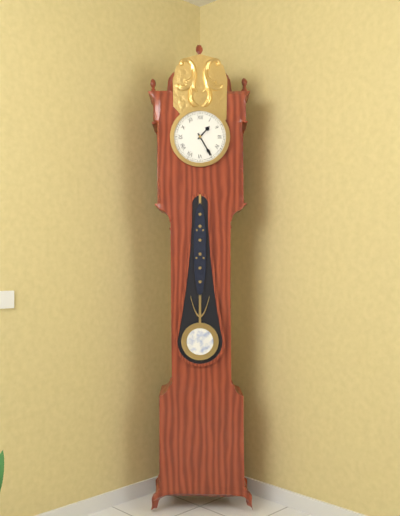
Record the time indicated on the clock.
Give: 1:25
